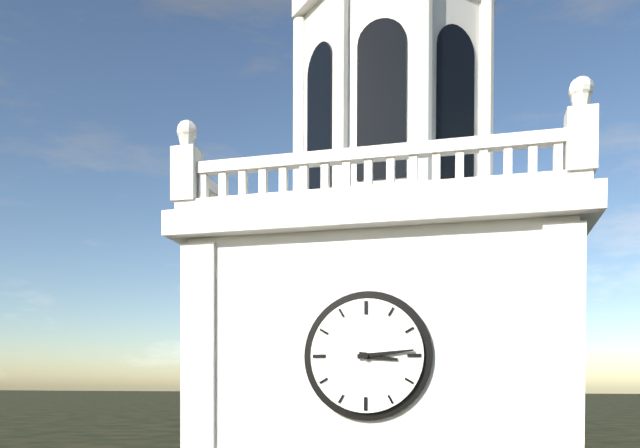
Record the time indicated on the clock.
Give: 3:14
